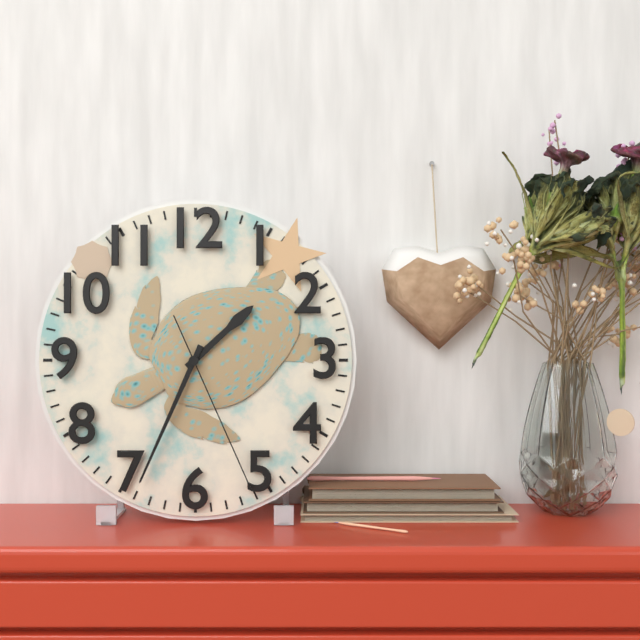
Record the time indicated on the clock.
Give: 1:34:26
